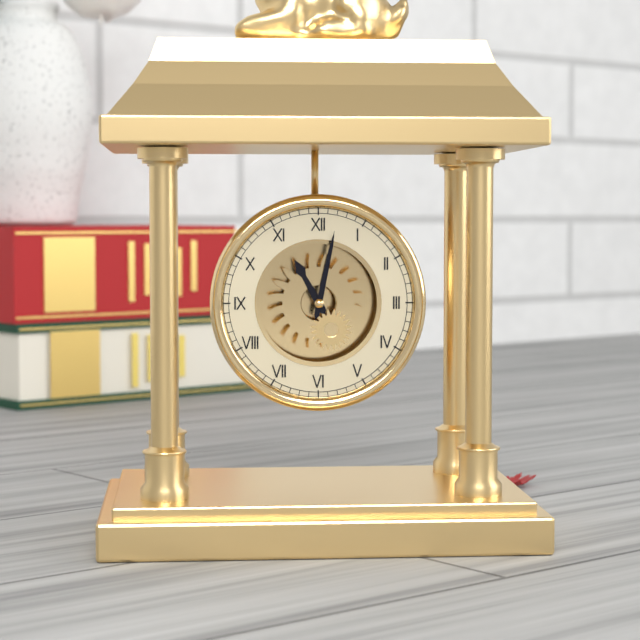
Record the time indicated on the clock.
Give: 11:02
